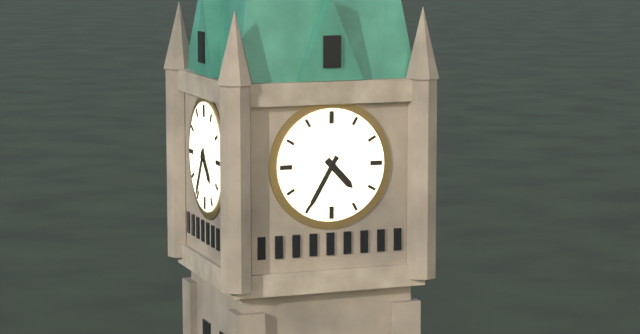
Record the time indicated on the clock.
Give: 4:35
